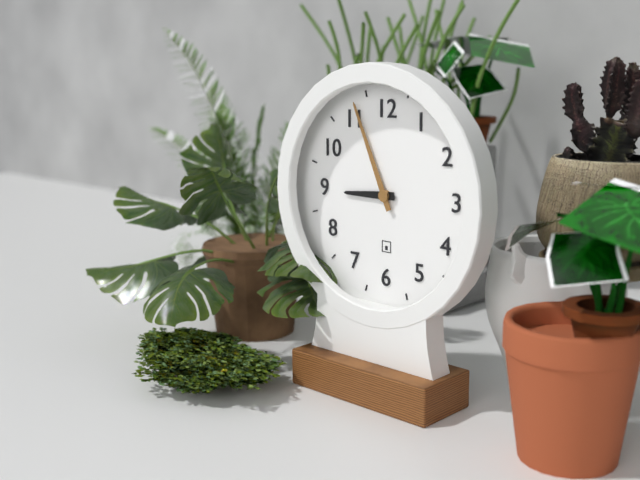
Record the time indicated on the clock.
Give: 8:56
